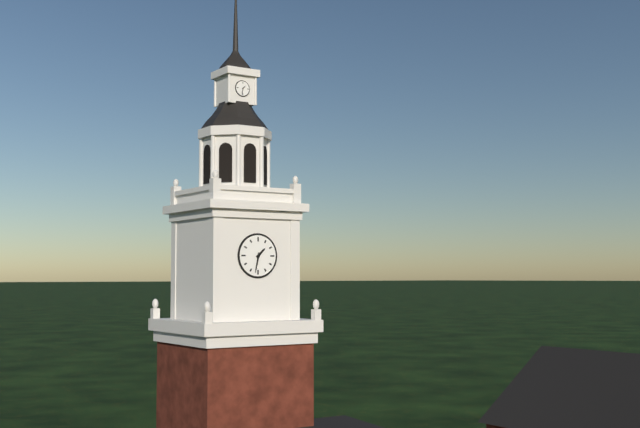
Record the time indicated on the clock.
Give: 1:32
